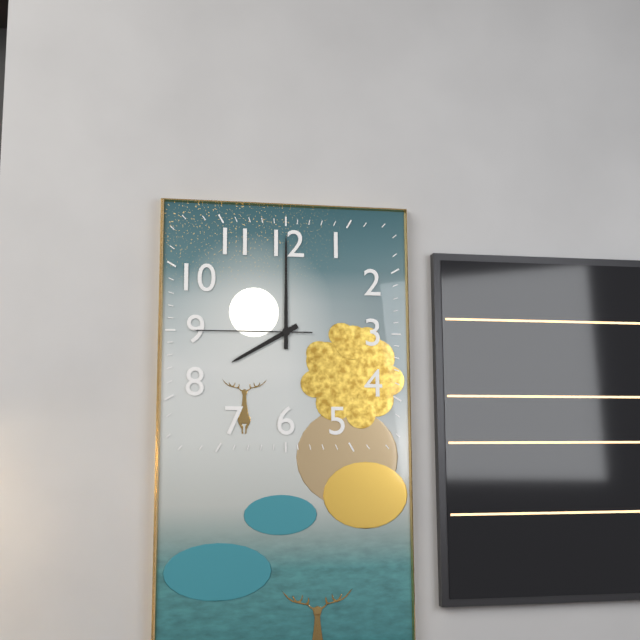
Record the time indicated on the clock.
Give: 8:00:45
